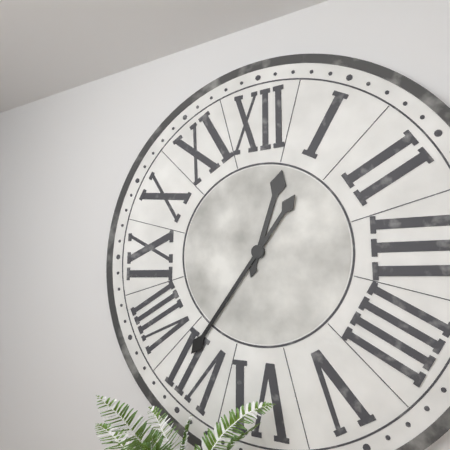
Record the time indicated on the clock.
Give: 12:36
